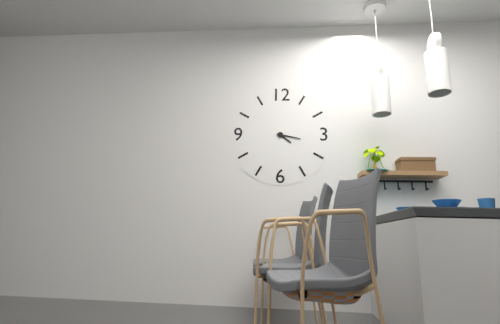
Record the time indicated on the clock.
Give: 4:17
